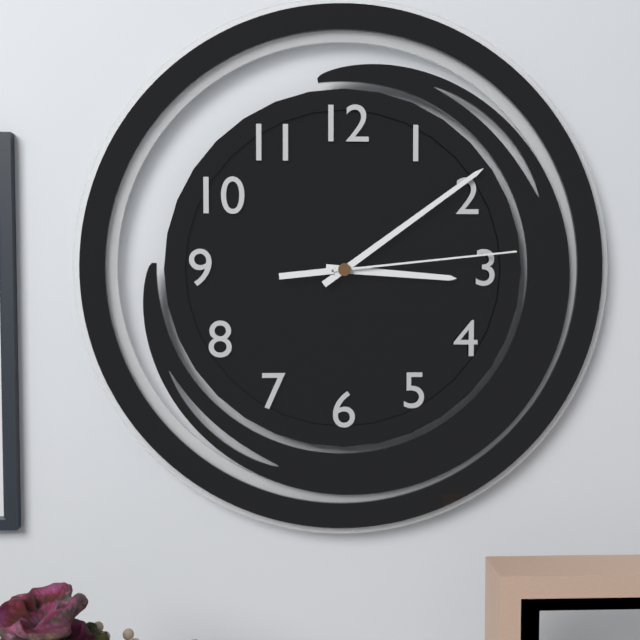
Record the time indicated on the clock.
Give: 3:09:14
